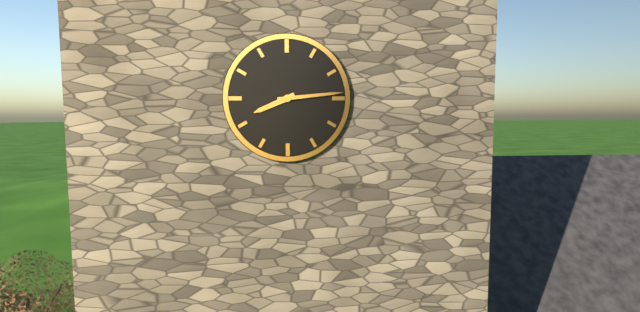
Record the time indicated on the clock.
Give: 8:14
